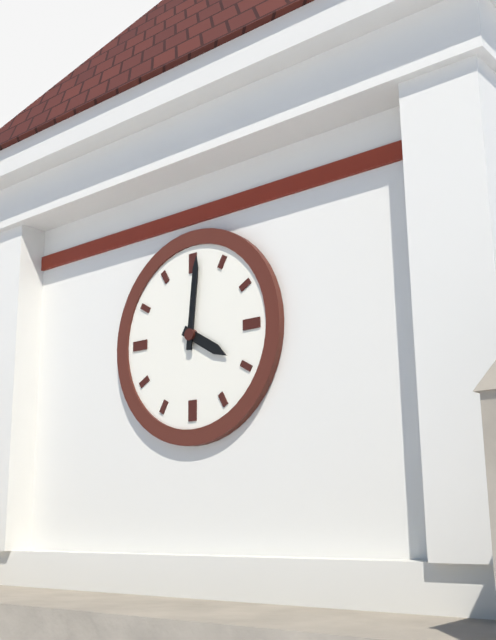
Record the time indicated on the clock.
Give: 4:01
